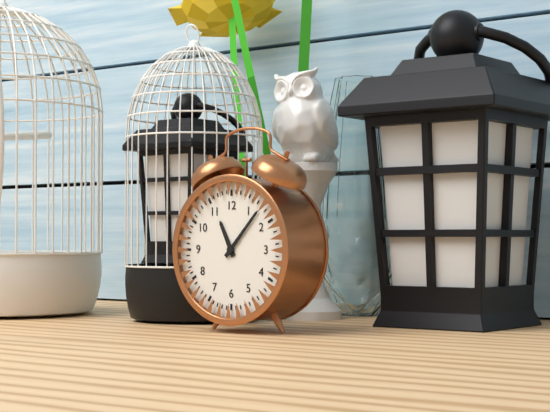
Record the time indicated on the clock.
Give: 11:07
